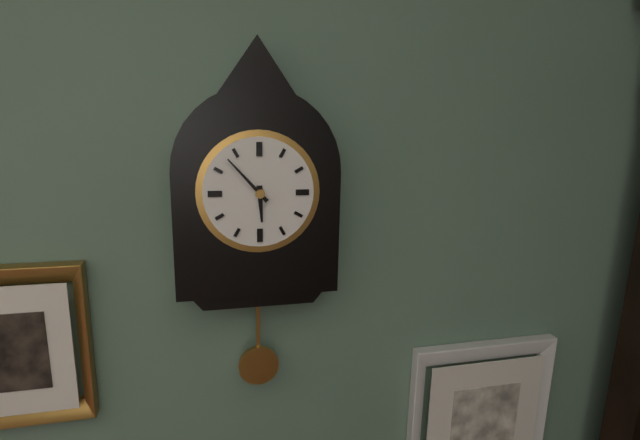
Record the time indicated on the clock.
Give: 5:53
